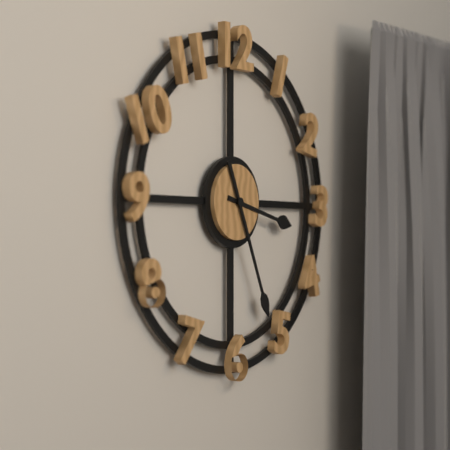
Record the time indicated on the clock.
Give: 3:26
